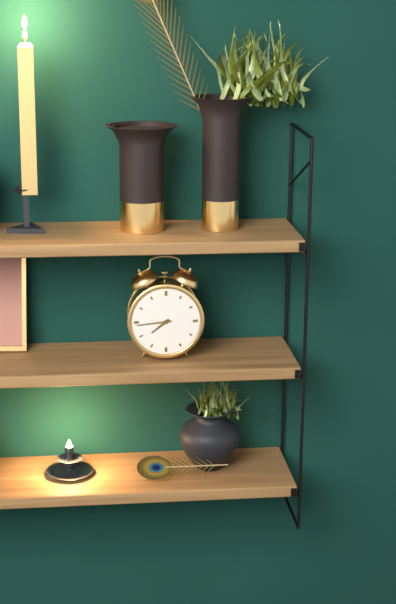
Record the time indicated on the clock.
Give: 7:44
